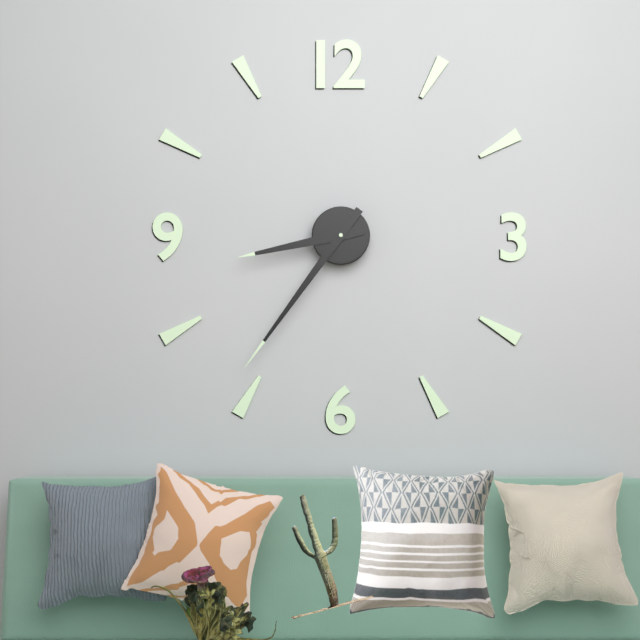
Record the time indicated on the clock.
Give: 8:36
